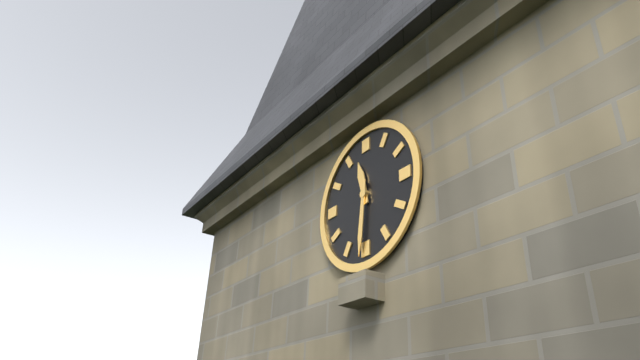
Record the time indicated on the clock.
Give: 11:31
